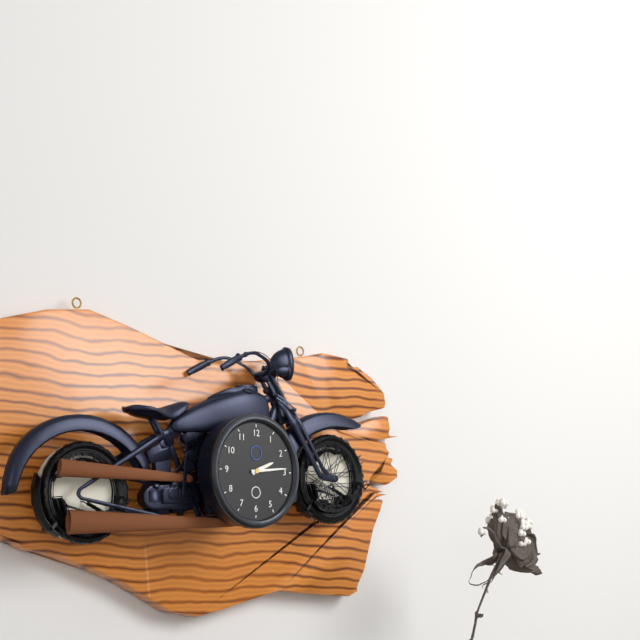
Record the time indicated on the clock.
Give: 2:14
